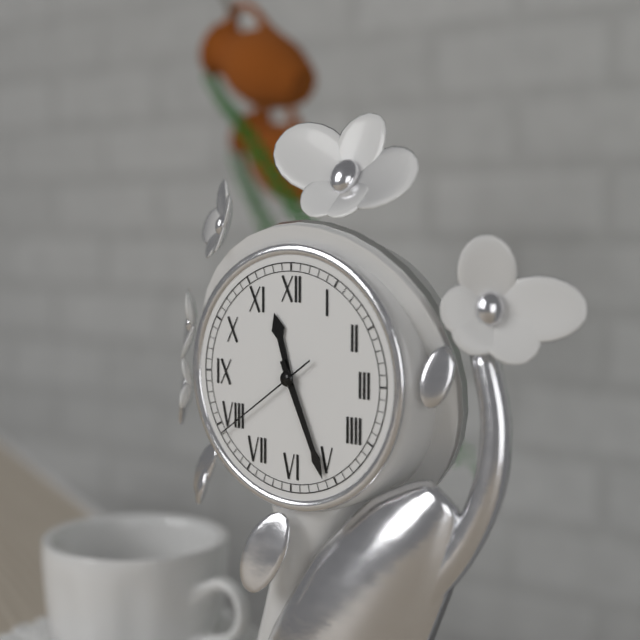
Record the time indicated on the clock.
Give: 11:26:39
